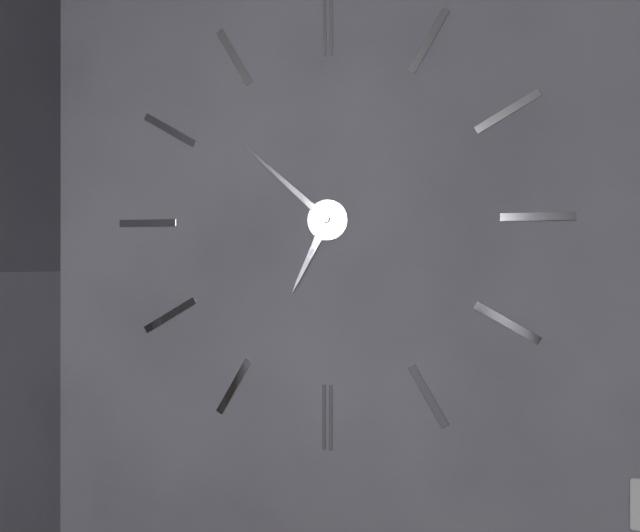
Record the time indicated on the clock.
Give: 6:52
